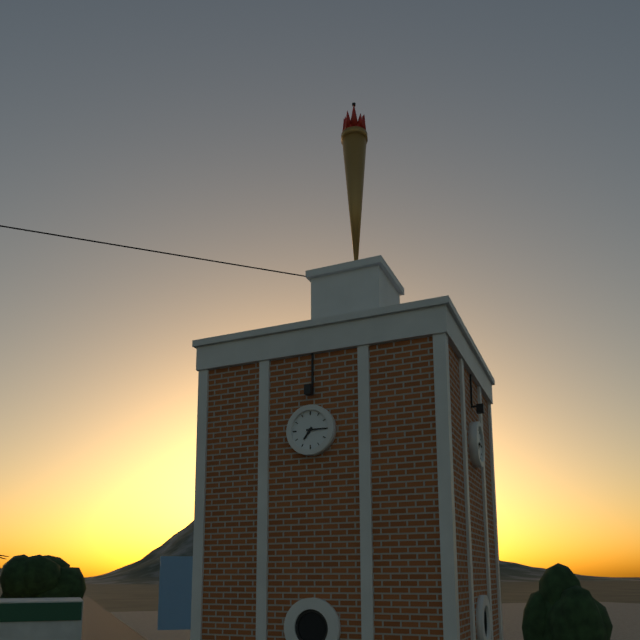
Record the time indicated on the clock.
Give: 7:15
